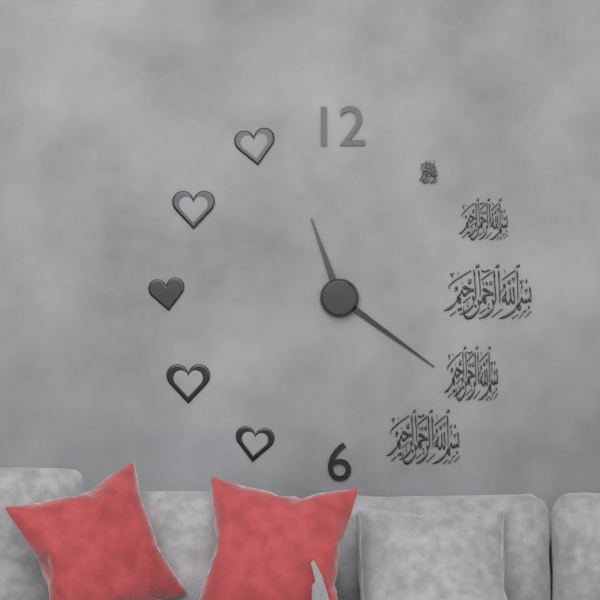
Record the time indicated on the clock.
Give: 11:21
